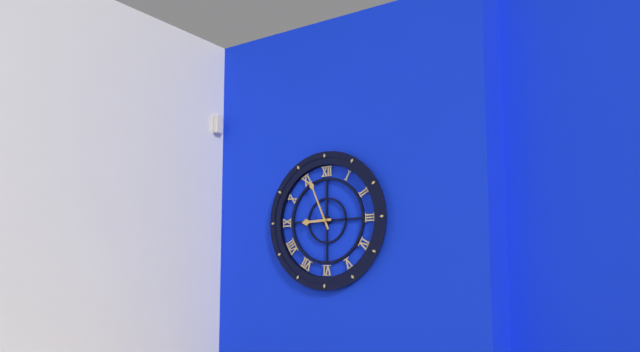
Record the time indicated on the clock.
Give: 8:56
